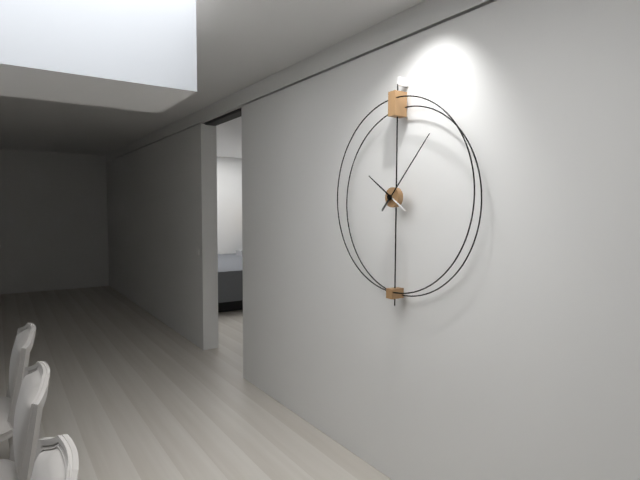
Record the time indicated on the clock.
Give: 10:07
